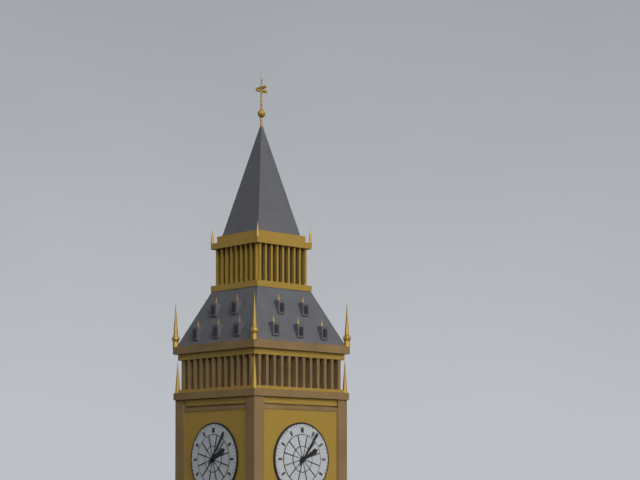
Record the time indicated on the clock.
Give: 2:06
